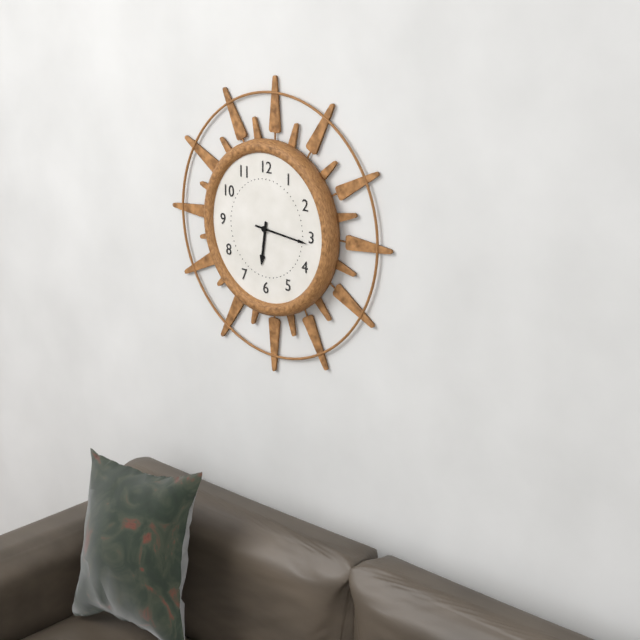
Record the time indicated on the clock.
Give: 6:16
